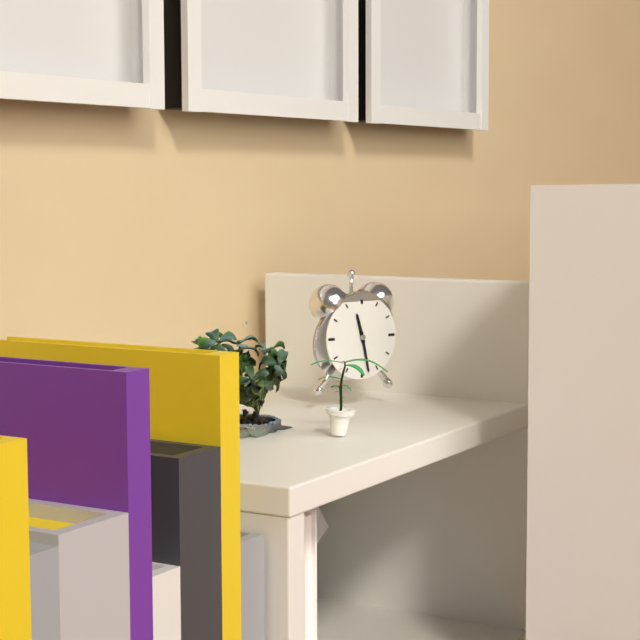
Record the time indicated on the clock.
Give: 11:28
